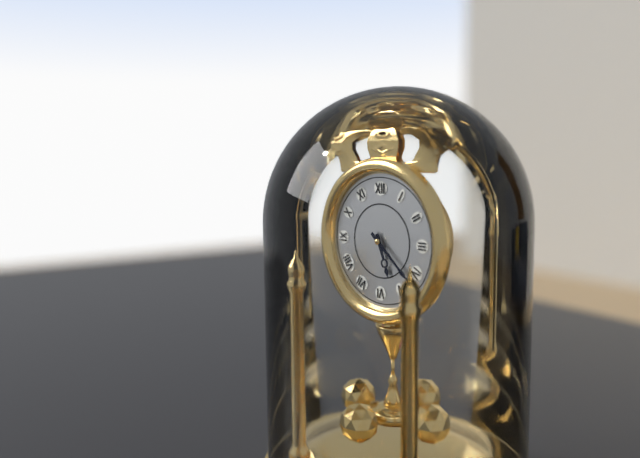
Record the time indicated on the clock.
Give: 5:22
